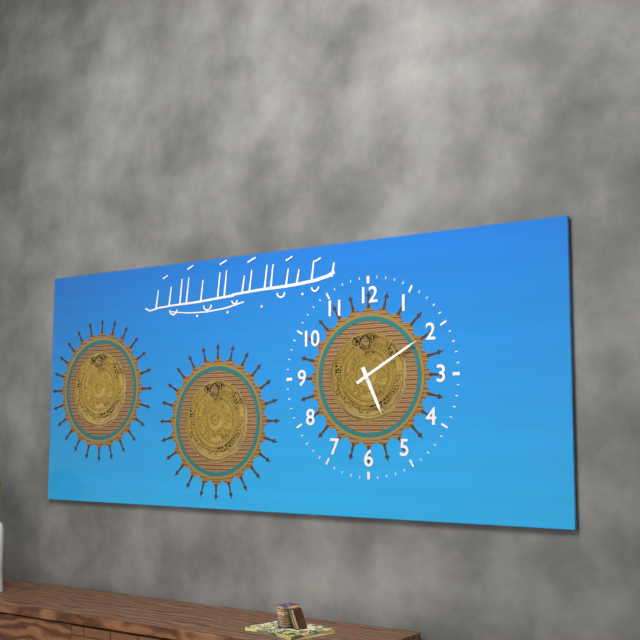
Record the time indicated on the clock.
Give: 5:10
